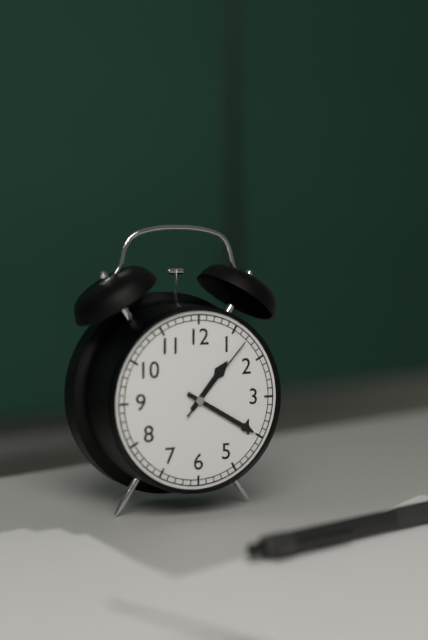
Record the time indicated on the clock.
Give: 1:20:07
